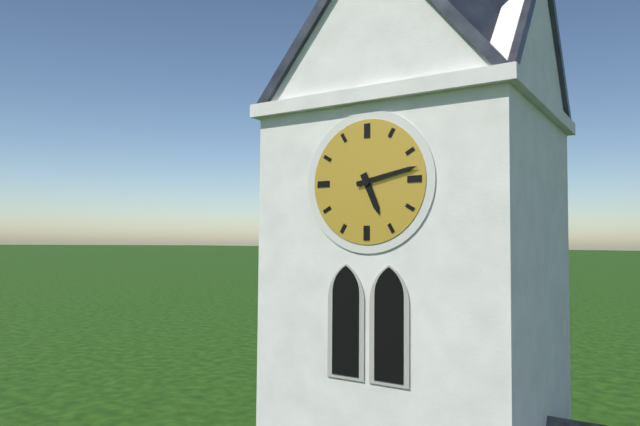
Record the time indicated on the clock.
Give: 5:13
